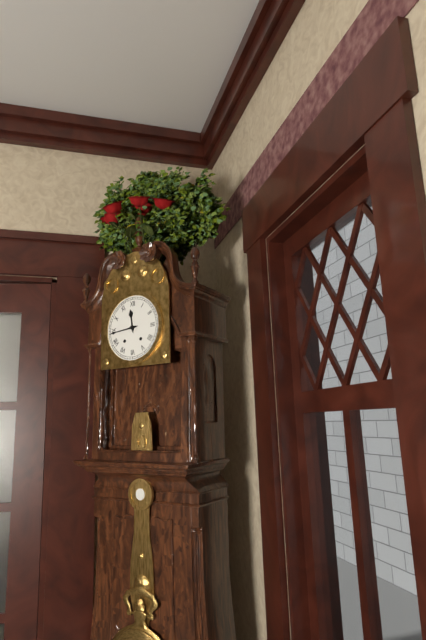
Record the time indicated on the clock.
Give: 11:44
